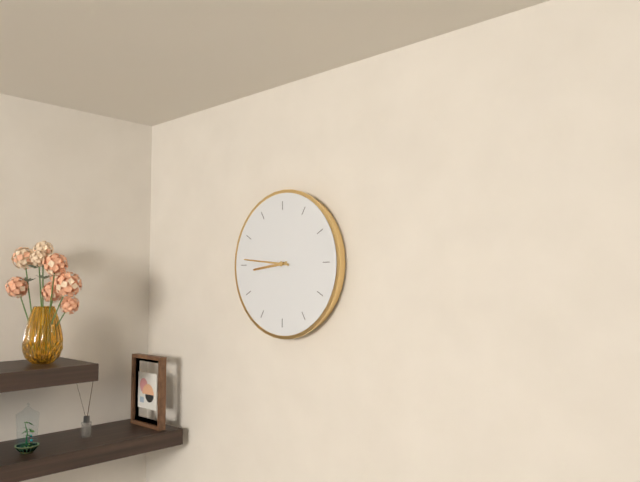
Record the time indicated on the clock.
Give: 8:46
